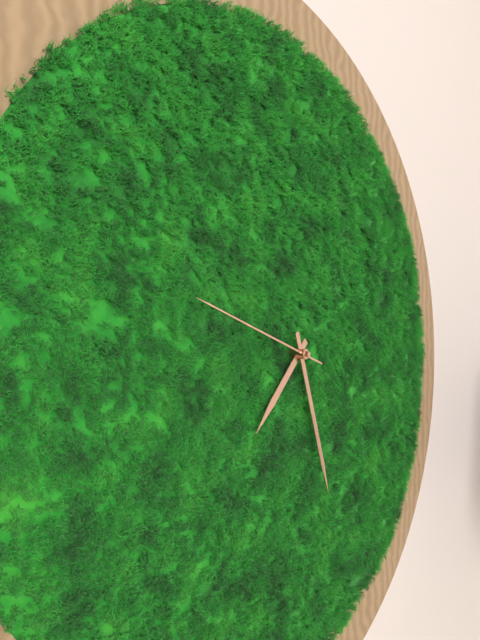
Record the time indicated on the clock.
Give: 7:27:48
